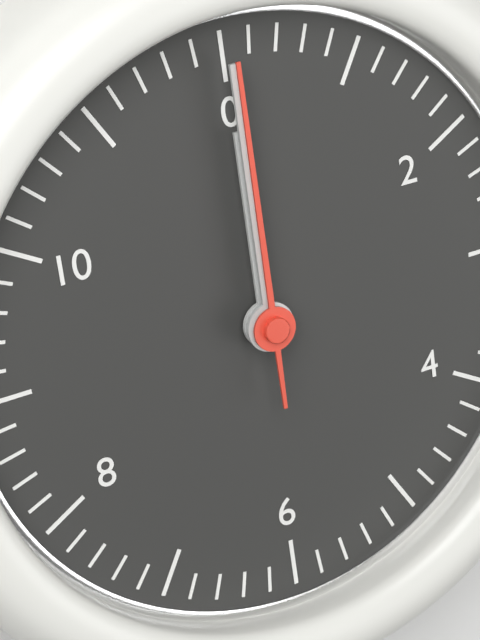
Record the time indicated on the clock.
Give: 12:00:00
